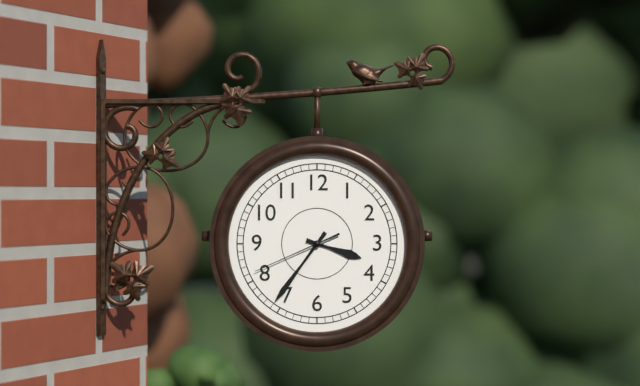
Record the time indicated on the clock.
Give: 3:36:41
